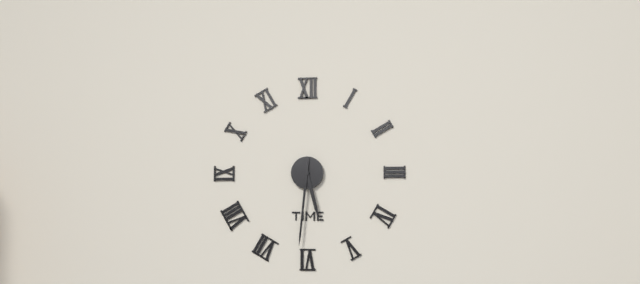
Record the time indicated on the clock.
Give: 5:31
